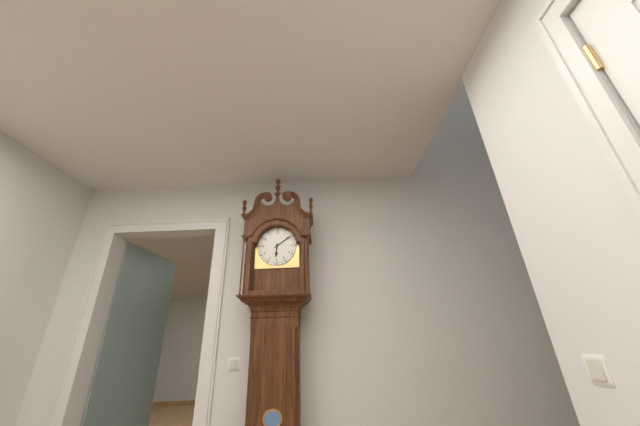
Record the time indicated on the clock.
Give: 6:09
